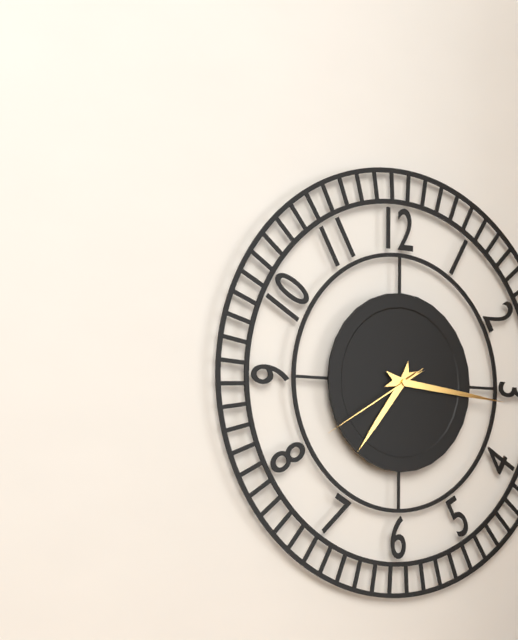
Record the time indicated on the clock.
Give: 7:16:40
